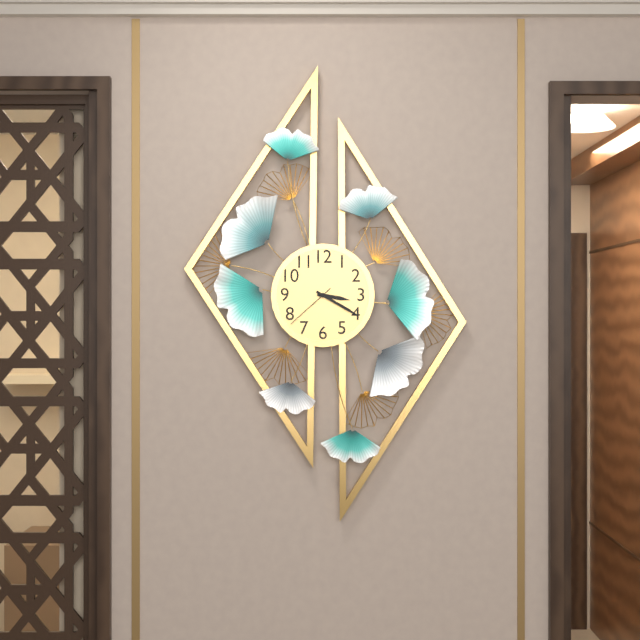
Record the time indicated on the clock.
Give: 3:20:38
